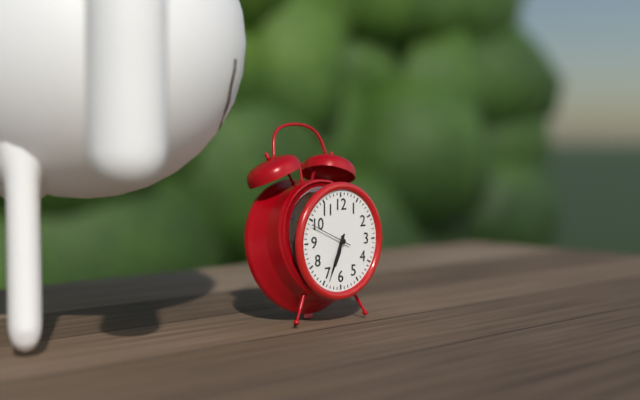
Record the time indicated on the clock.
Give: 6:34
